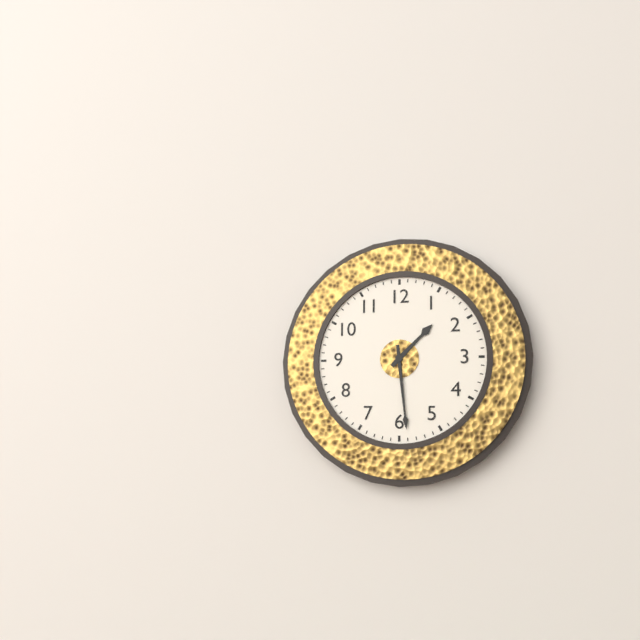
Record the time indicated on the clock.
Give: 1:29
